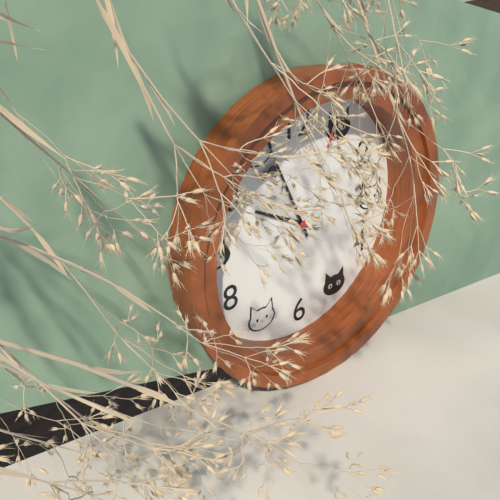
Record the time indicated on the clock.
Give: 9:56:04
